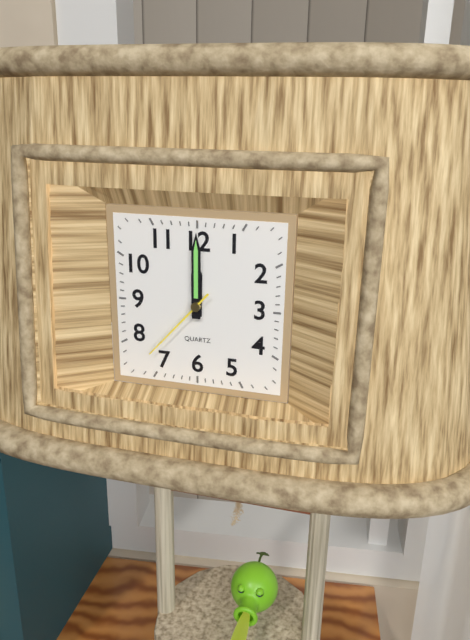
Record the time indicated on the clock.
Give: 12:00:37
